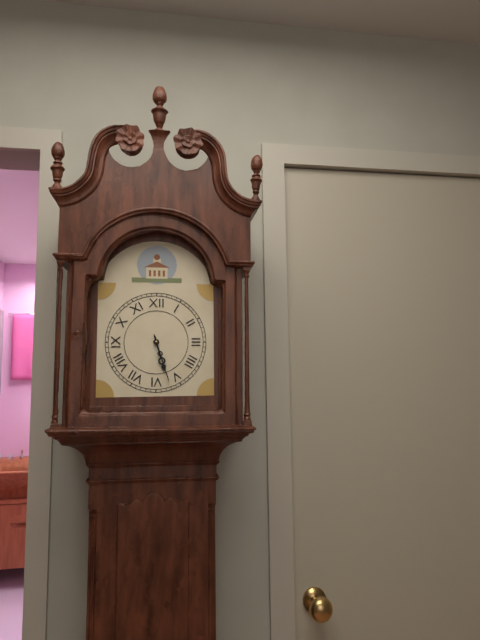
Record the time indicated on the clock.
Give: 5:27
